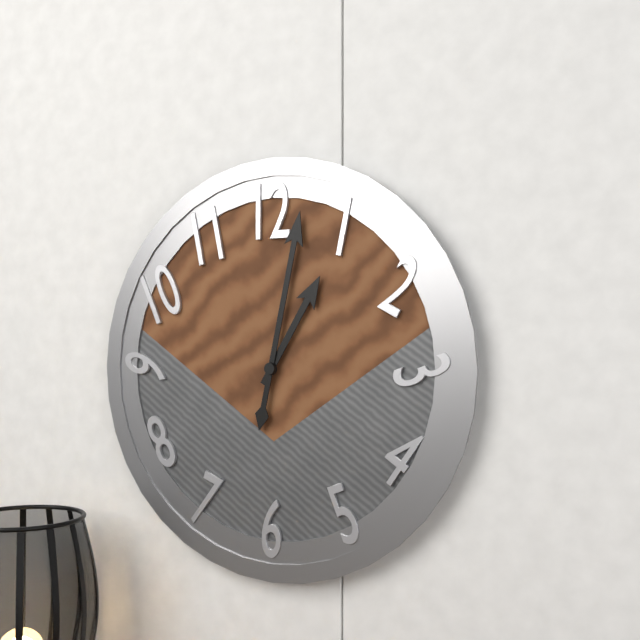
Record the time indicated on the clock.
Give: 1:02
